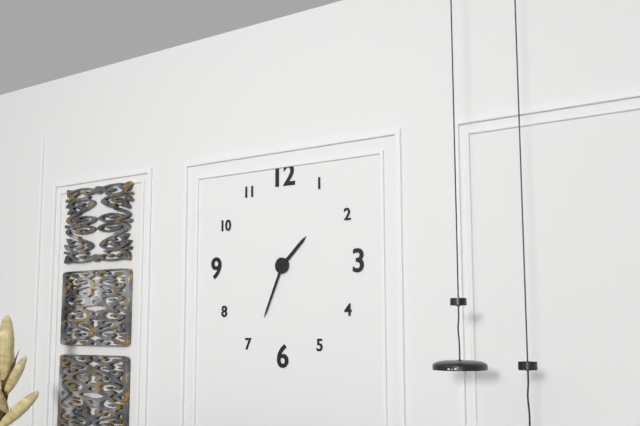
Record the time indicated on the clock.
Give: 1:34
